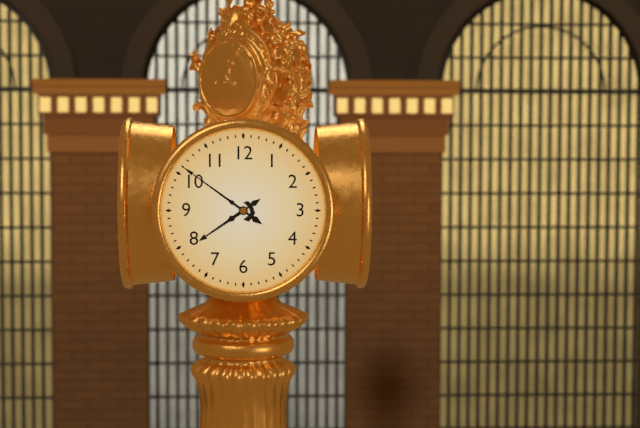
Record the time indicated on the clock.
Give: 7:51
